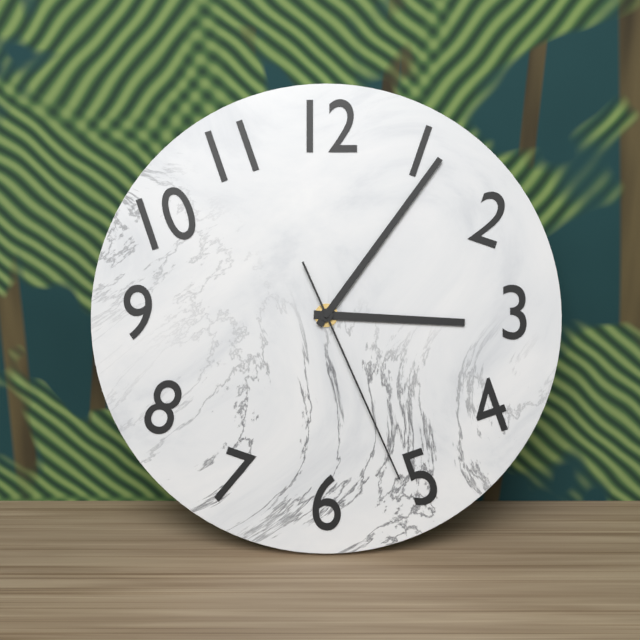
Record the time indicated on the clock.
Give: 3:06:26
